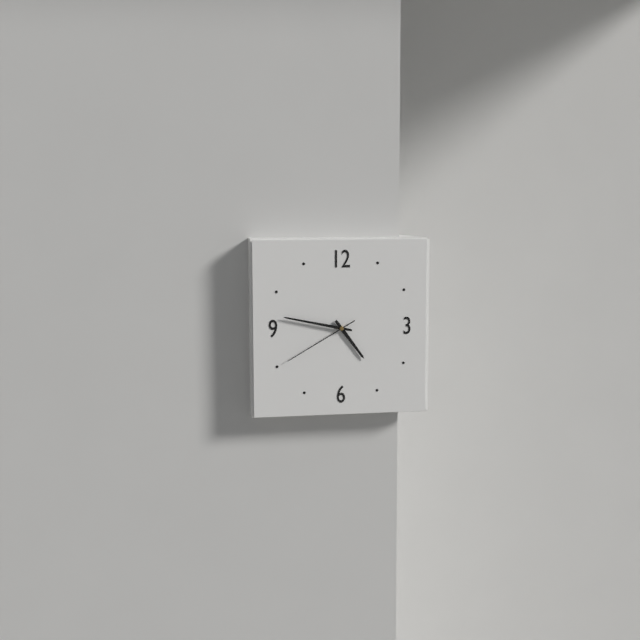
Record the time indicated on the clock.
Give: 4:47:40
